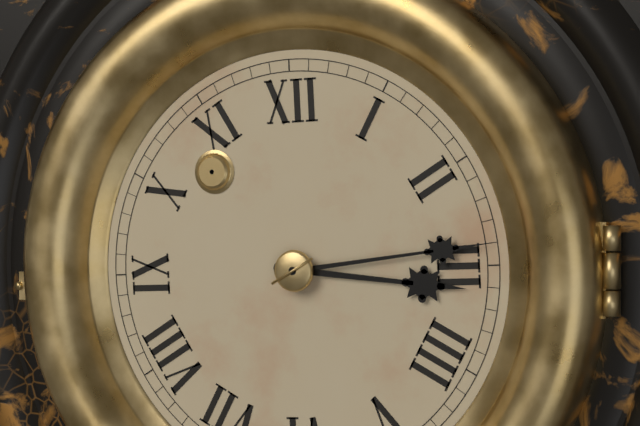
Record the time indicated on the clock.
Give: 3:14
